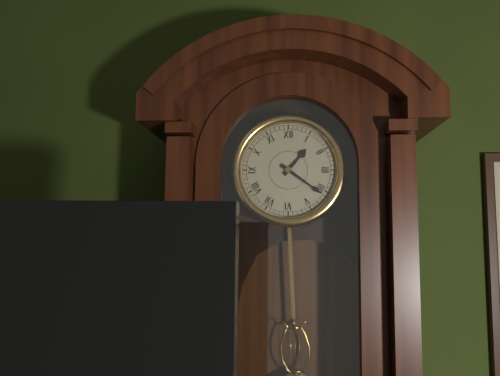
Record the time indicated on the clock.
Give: 1:21
